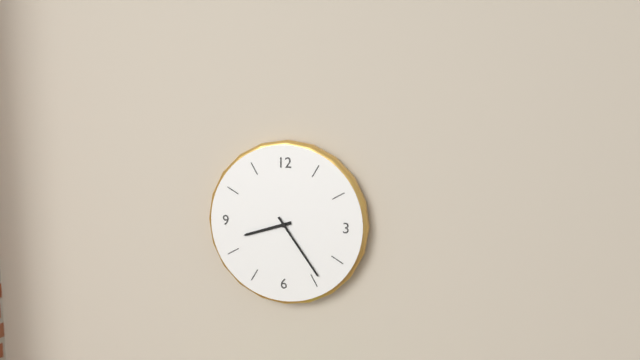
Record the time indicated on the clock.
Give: 8:24
